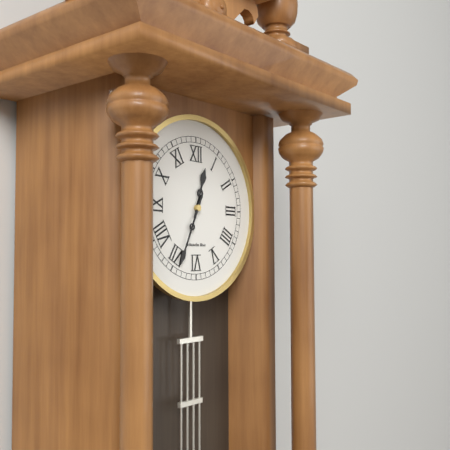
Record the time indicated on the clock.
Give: 12:34
